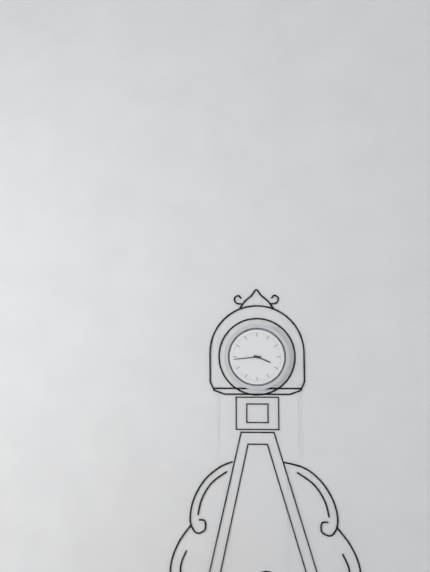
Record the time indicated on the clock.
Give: 3:44
